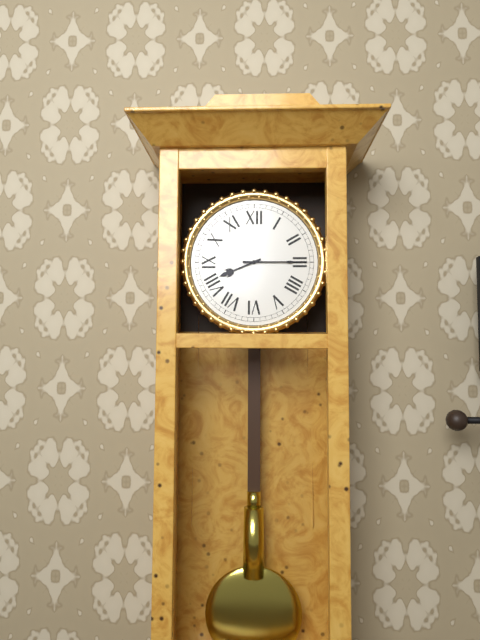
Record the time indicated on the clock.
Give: 8:15
